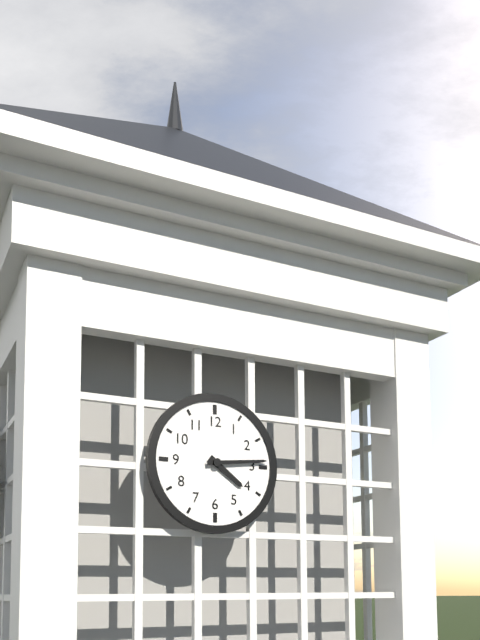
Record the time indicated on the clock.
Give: 4:14
